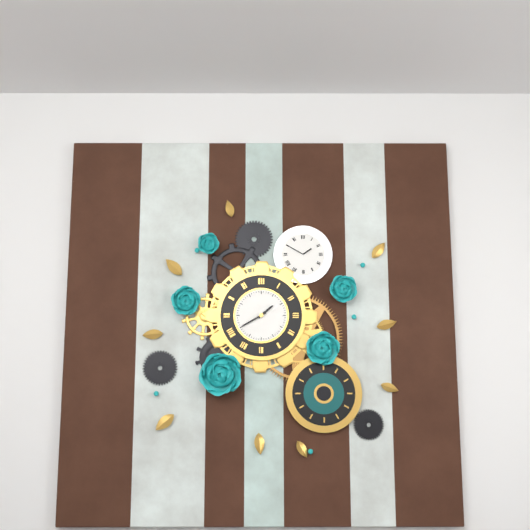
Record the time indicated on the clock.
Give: 1:40
